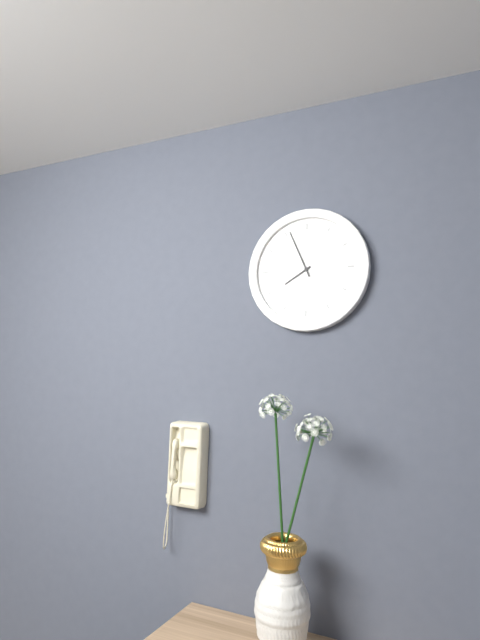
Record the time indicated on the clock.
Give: 7:56
